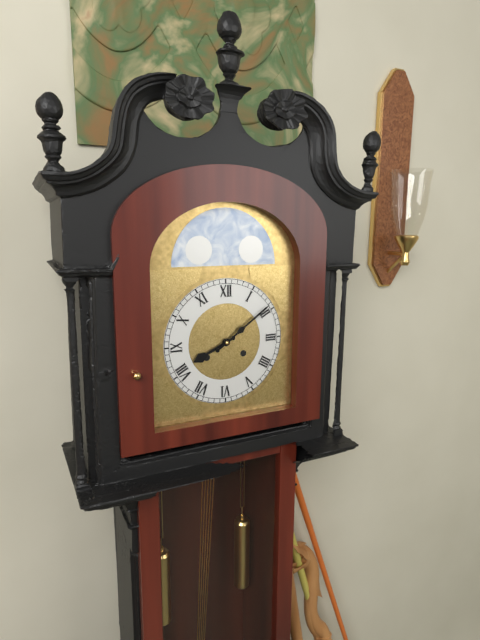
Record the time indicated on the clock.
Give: 8:09
